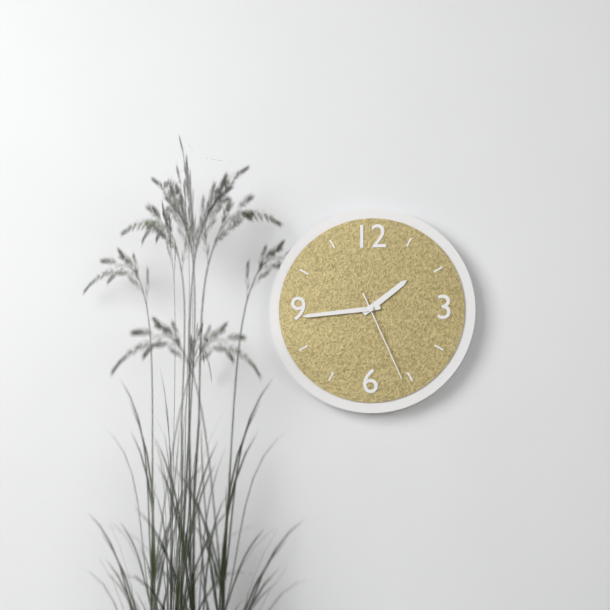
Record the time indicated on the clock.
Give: 1:44:26
